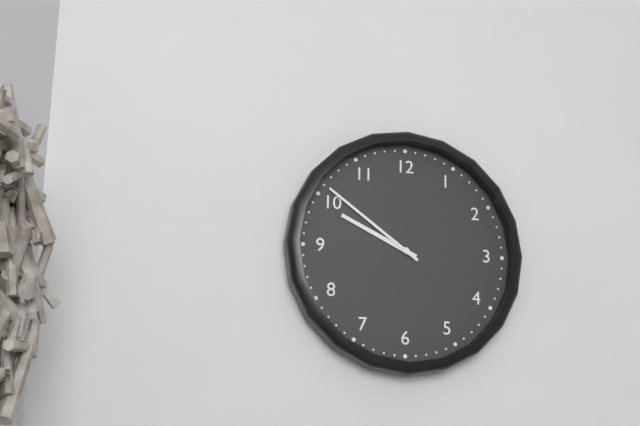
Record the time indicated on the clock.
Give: 9:51
